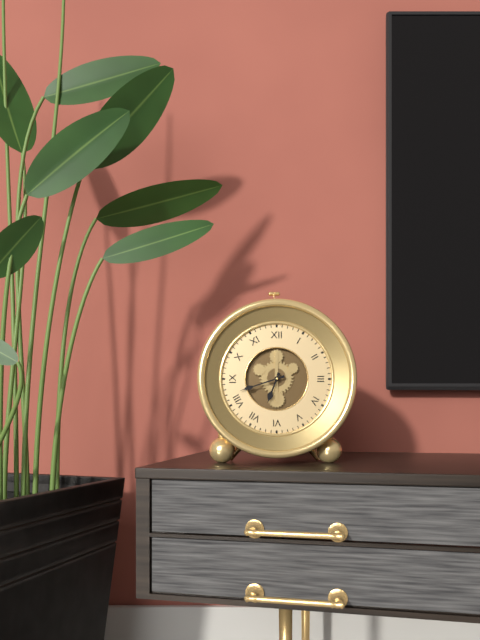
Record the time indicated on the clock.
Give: 6:42
